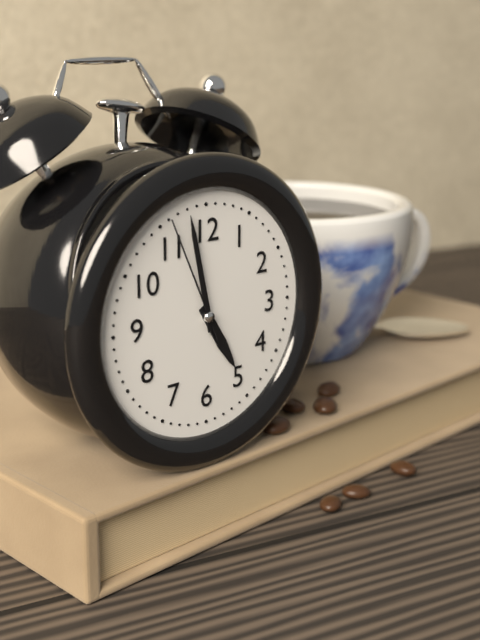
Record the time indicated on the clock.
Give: 4:58:56
